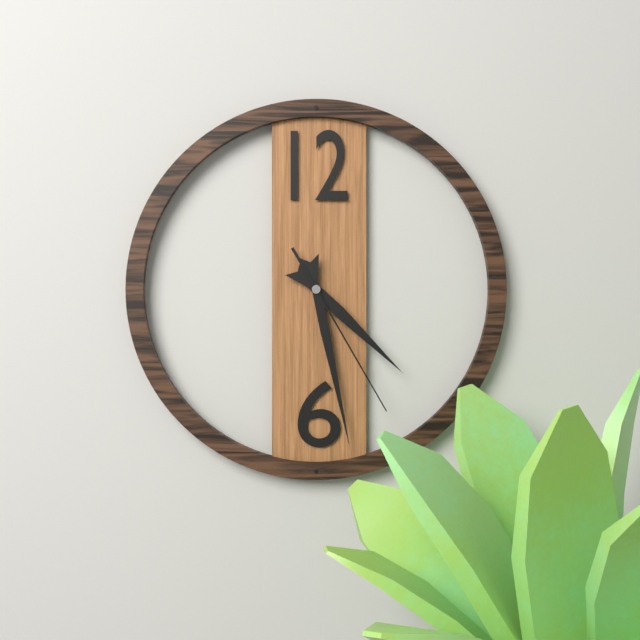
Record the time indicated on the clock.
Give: 4:28:25
